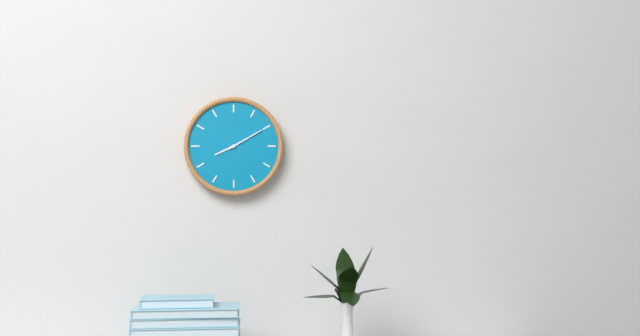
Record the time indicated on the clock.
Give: 8:10
